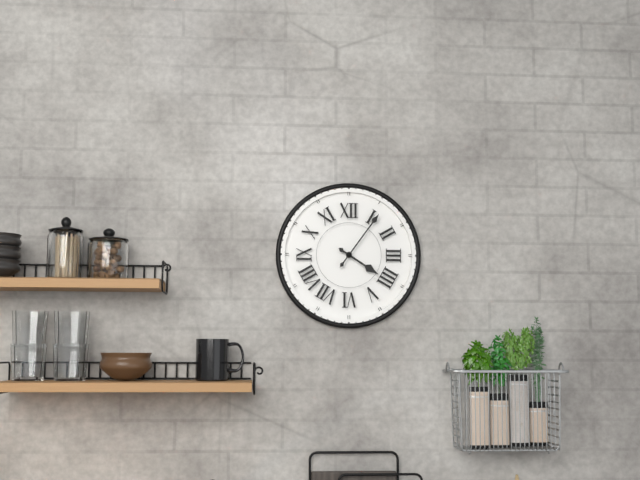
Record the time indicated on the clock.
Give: 4:06
